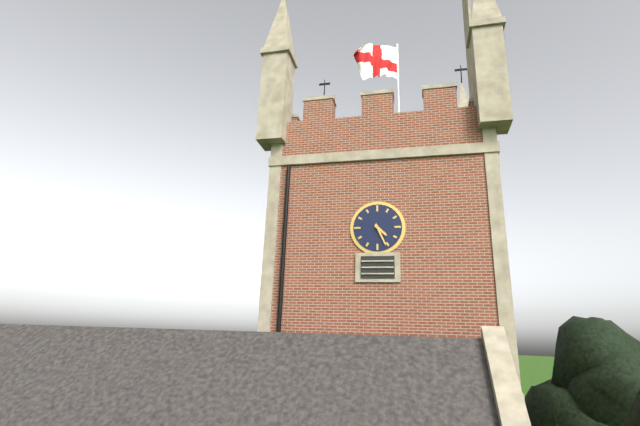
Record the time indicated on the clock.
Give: 4:26
